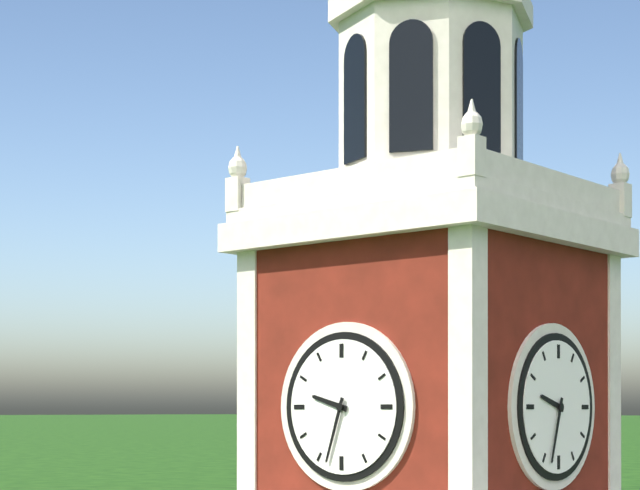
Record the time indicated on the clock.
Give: 9:33
